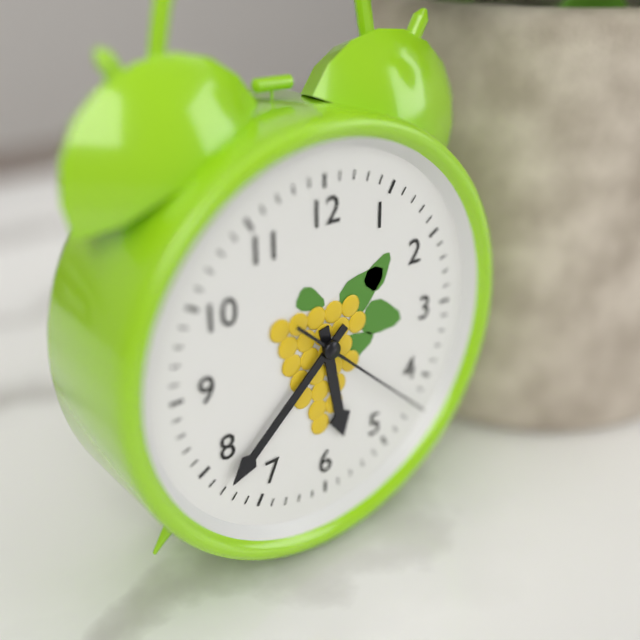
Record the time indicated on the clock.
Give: 5:38:22
